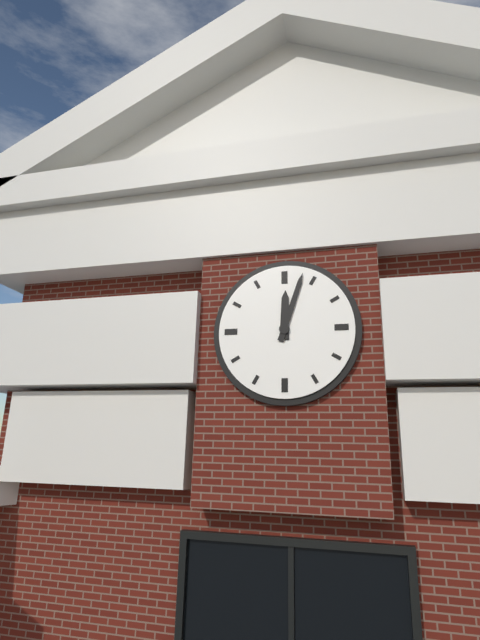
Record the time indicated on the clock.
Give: 12:03
